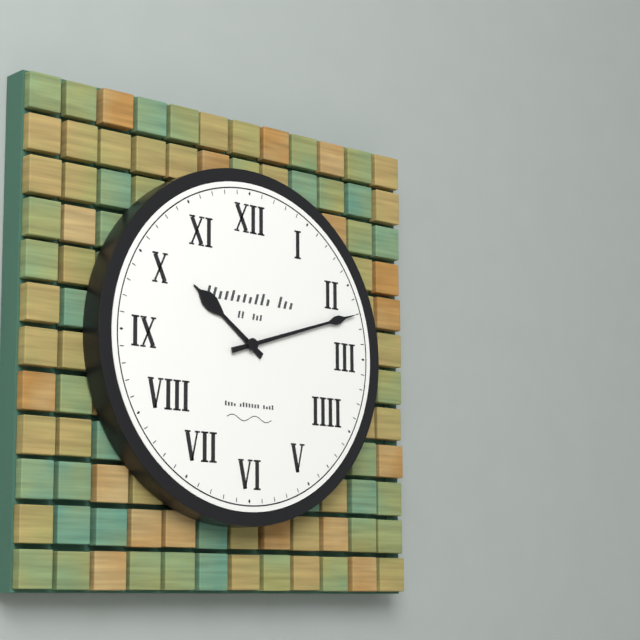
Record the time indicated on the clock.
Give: 10:12
